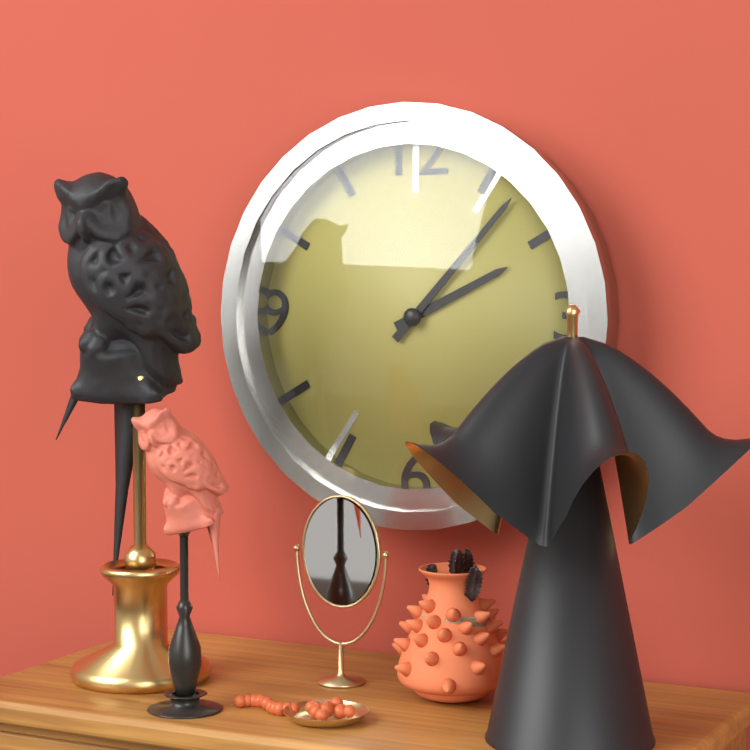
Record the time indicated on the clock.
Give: 2:07
